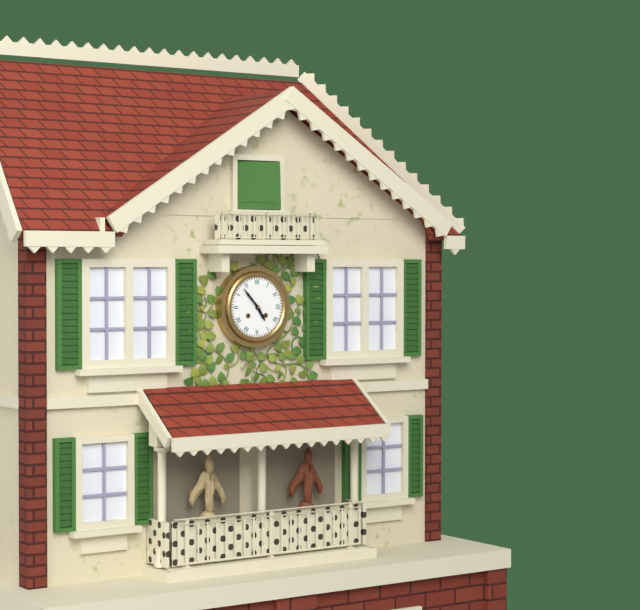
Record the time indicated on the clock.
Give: 4:53
